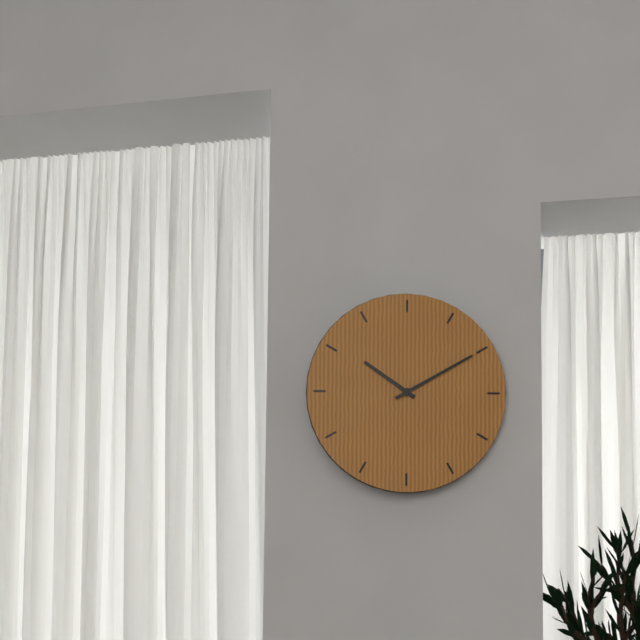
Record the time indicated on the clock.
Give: 10:10
